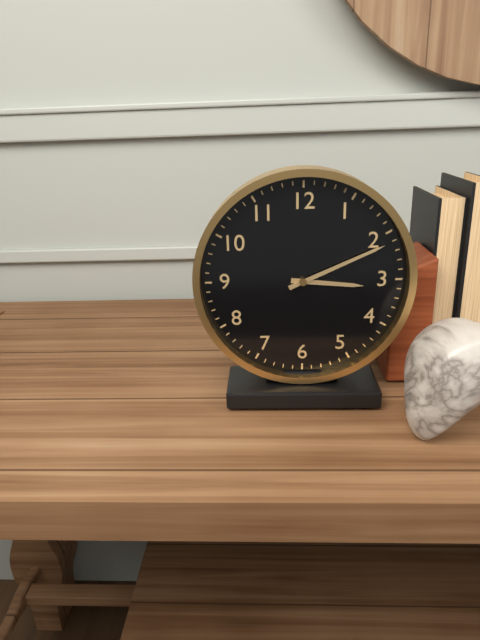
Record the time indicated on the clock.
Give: 3:11
